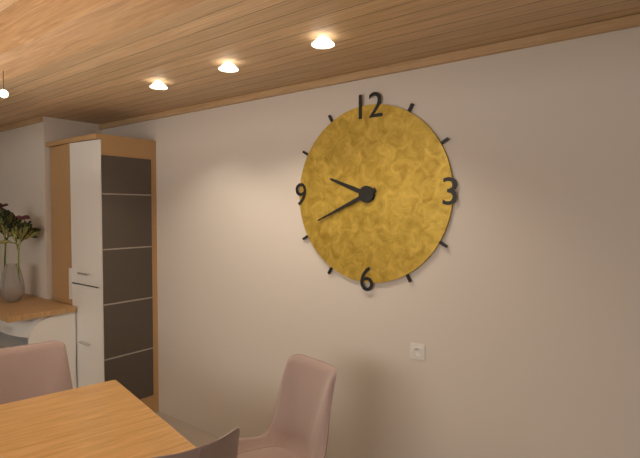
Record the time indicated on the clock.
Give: 9:41
